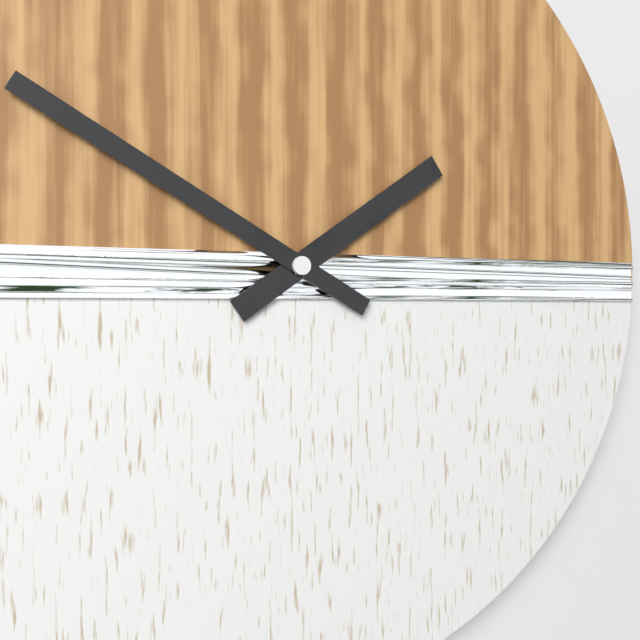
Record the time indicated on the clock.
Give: 1:50
